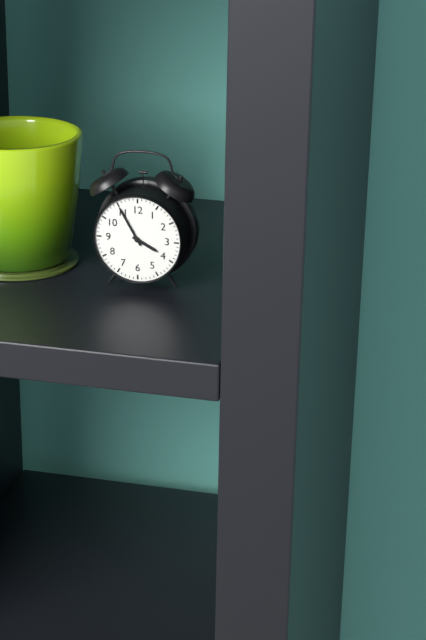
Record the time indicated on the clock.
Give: 3:55
